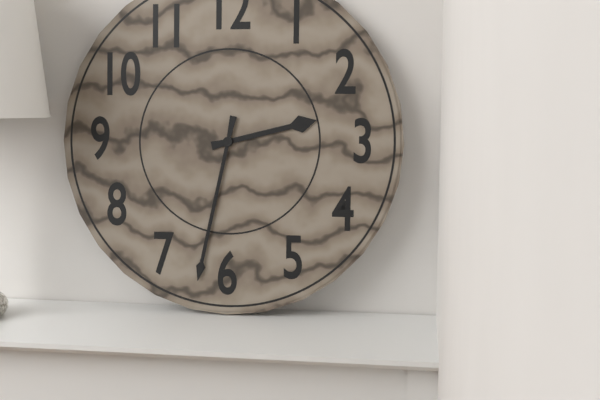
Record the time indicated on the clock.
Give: 2:32
